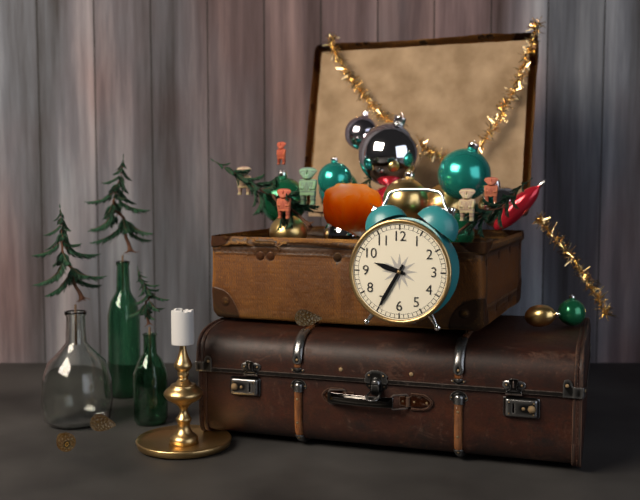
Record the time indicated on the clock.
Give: 9:35
